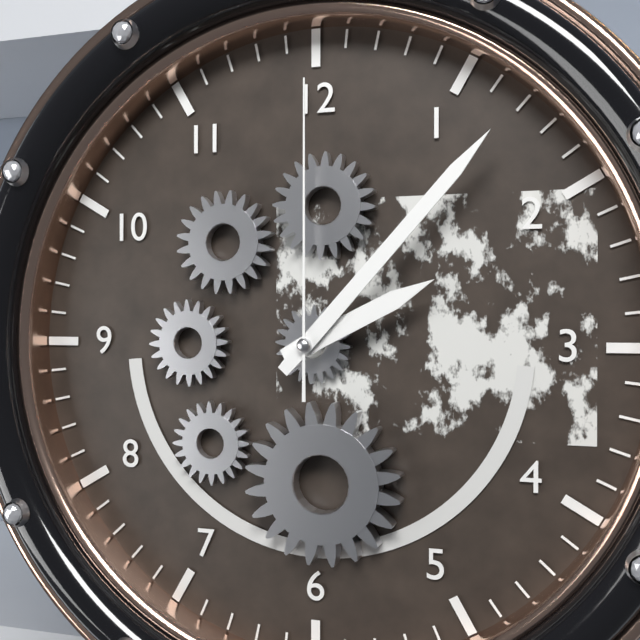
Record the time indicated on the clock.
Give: 2:07:00
